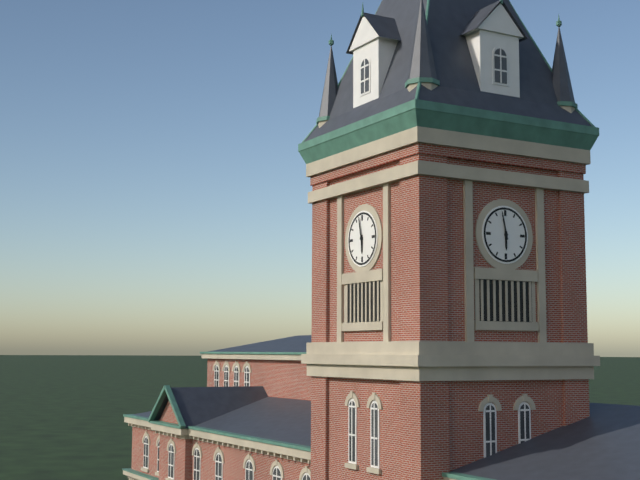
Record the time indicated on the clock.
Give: 5:58
